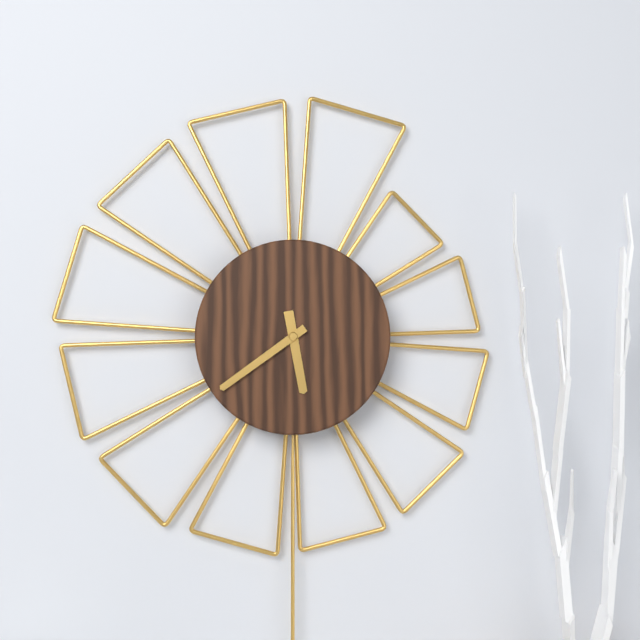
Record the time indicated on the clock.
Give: 5:39
